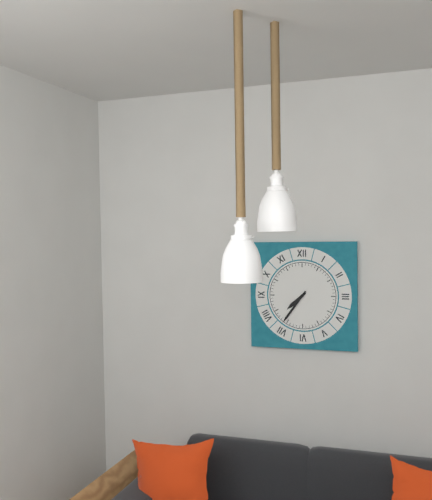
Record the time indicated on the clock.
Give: 7:36
